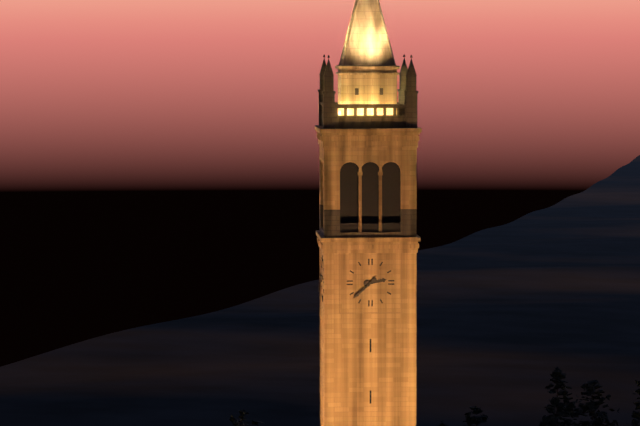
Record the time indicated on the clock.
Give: 2:38
